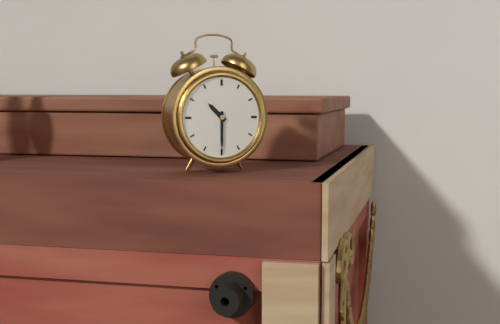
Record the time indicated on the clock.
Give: 10:30
